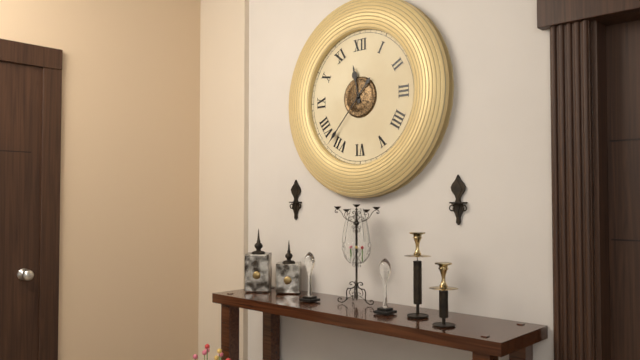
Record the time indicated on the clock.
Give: 11:37
